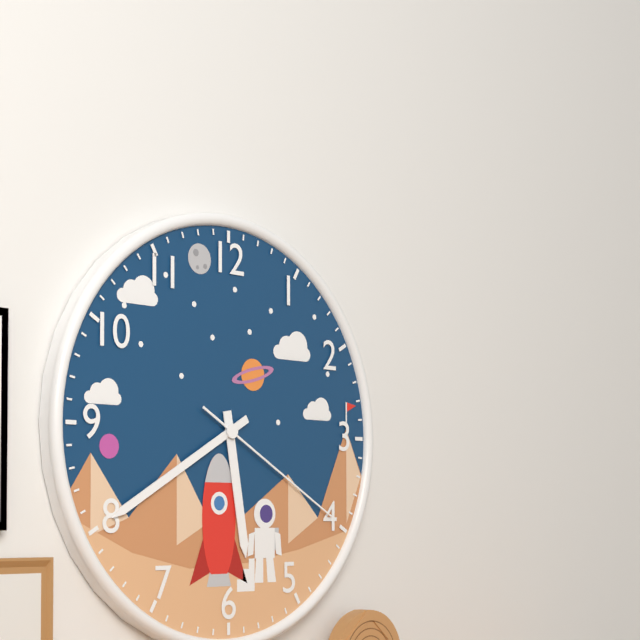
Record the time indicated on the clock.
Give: 5:40:20
